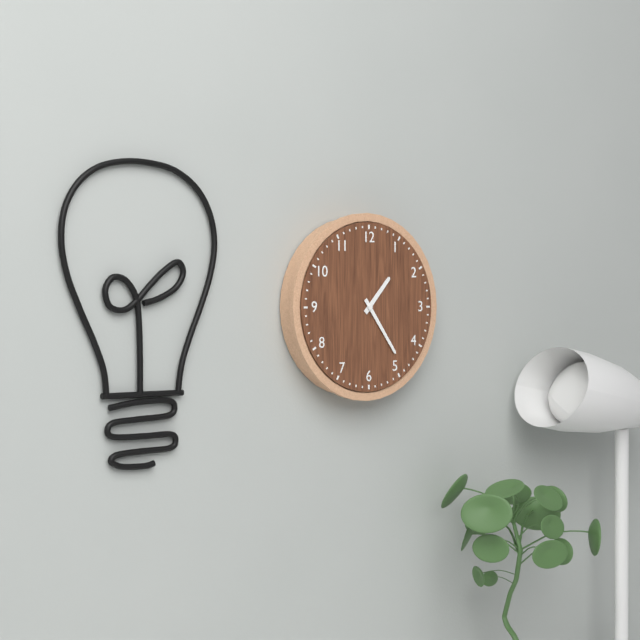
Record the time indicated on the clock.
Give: 1:24
